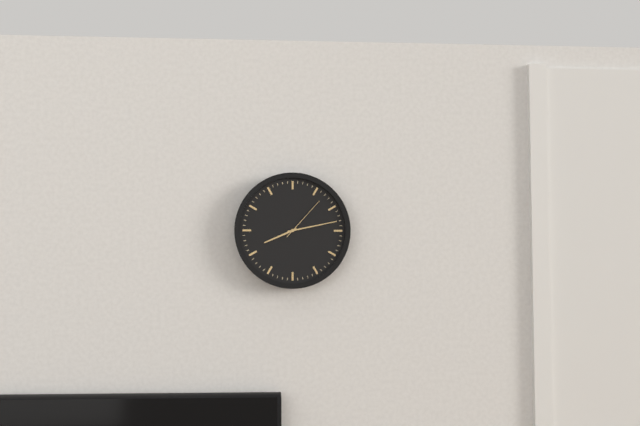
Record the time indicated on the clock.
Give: 8:13:07
